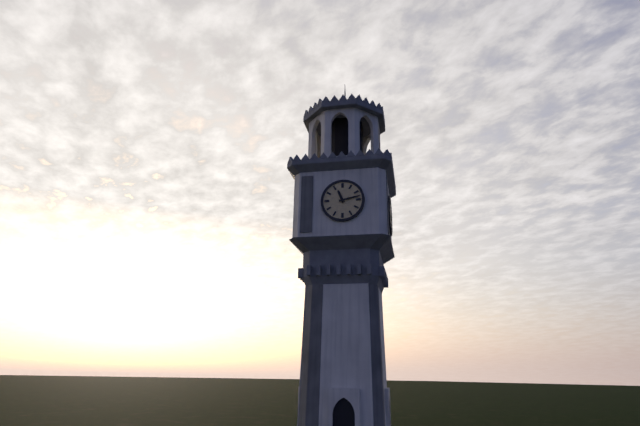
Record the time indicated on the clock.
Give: 11:13
